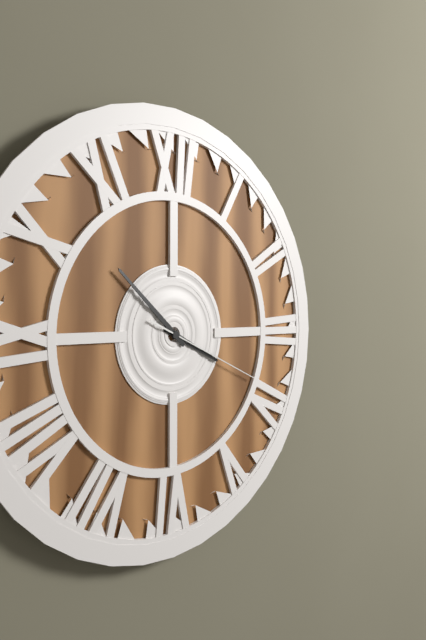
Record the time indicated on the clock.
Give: 3:52:19
